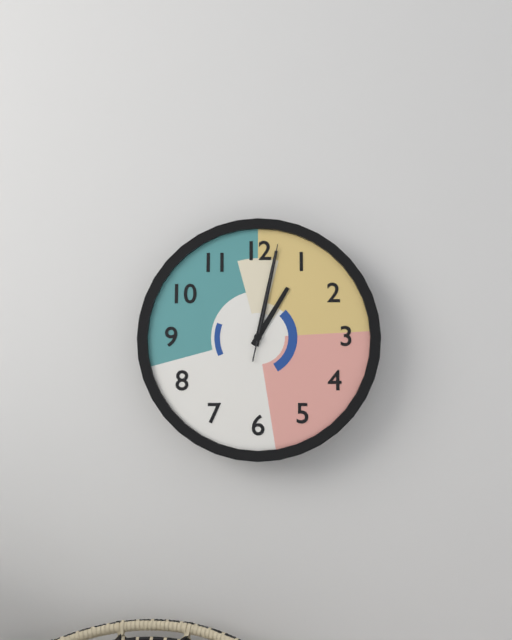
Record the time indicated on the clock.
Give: 1:02:02
